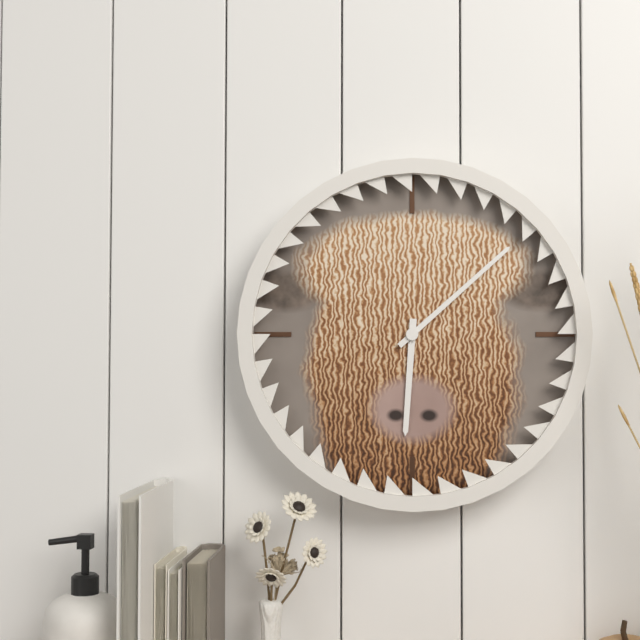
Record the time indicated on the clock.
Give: 6:08
